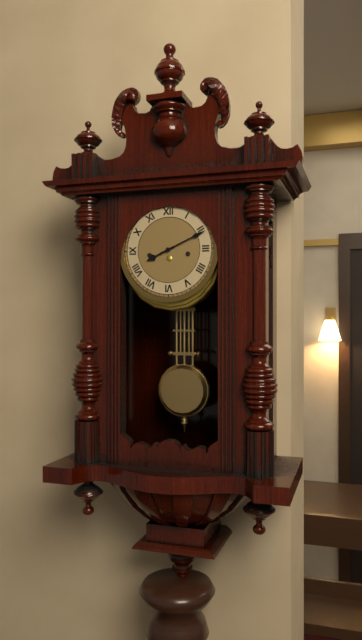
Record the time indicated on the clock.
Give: 8:11
